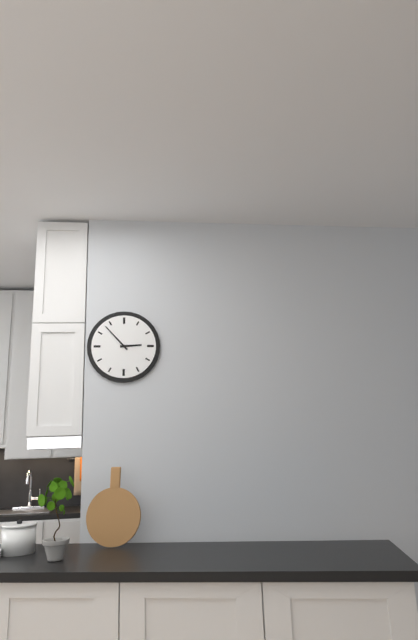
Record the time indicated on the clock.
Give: 2:53
